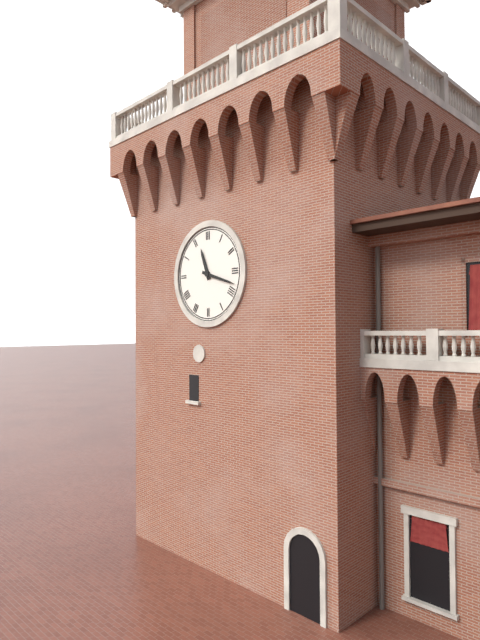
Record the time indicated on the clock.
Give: 11:18
